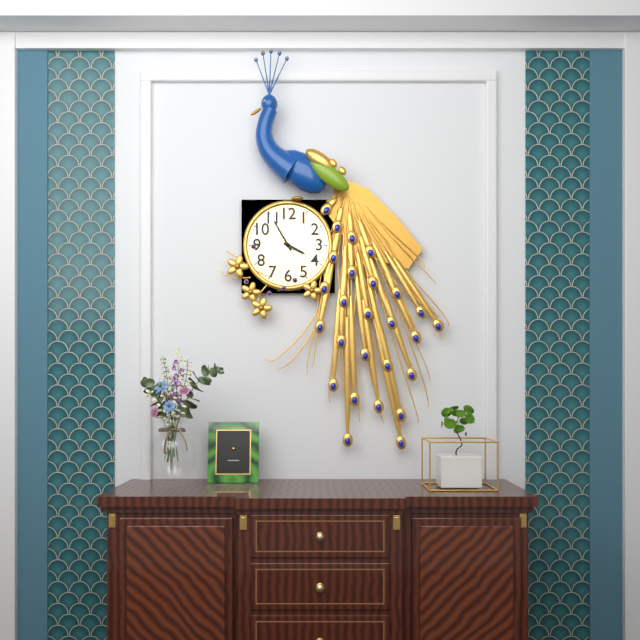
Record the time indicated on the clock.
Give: 3:55
